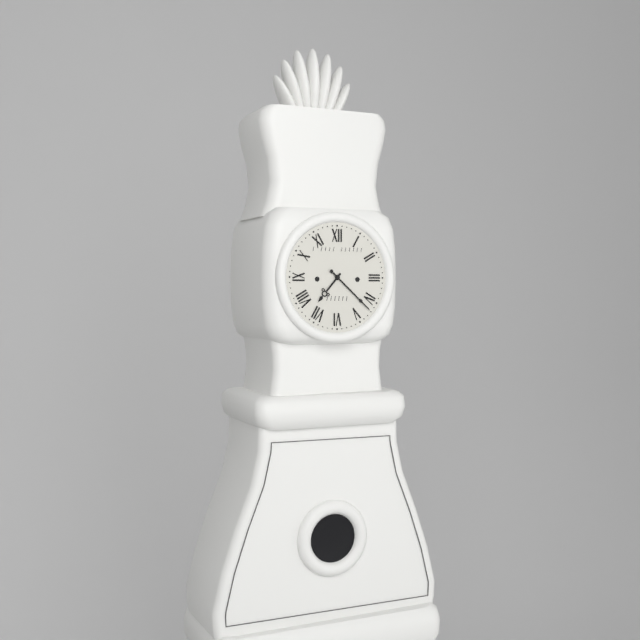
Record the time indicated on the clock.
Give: 7:22
